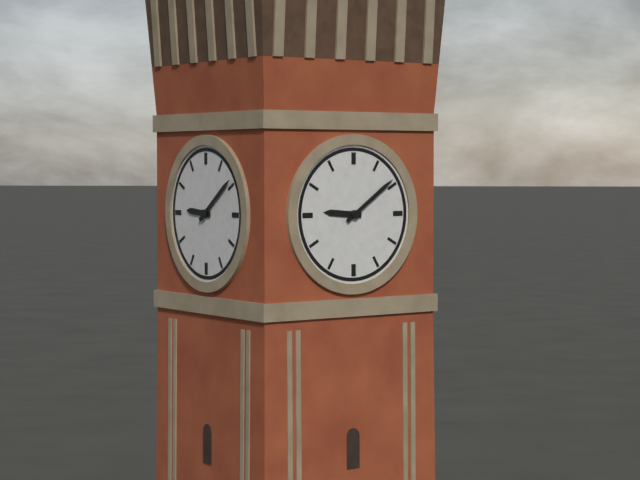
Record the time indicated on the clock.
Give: 9:09
